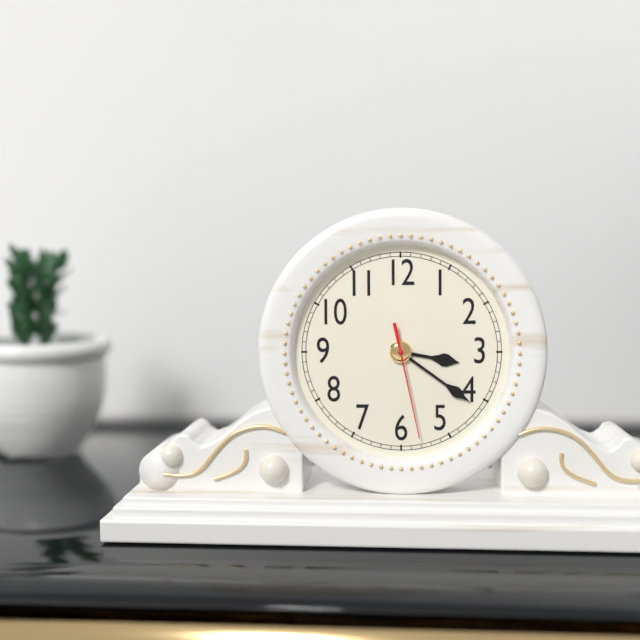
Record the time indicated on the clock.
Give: 3:21:28
